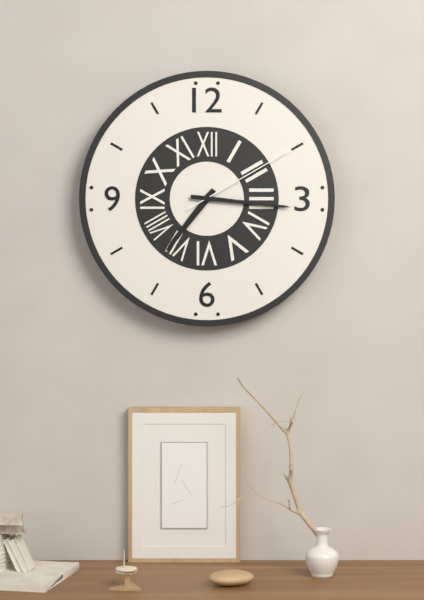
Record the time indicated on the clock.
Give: 7:16:10
